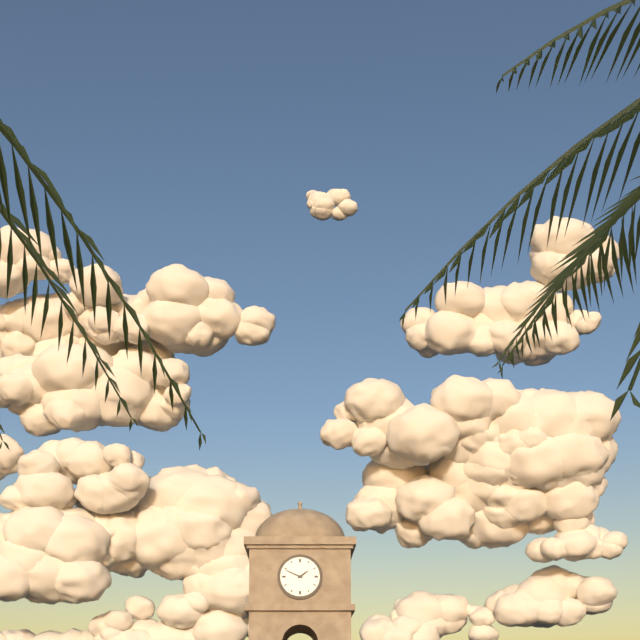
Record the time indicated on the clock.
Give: 1:49
